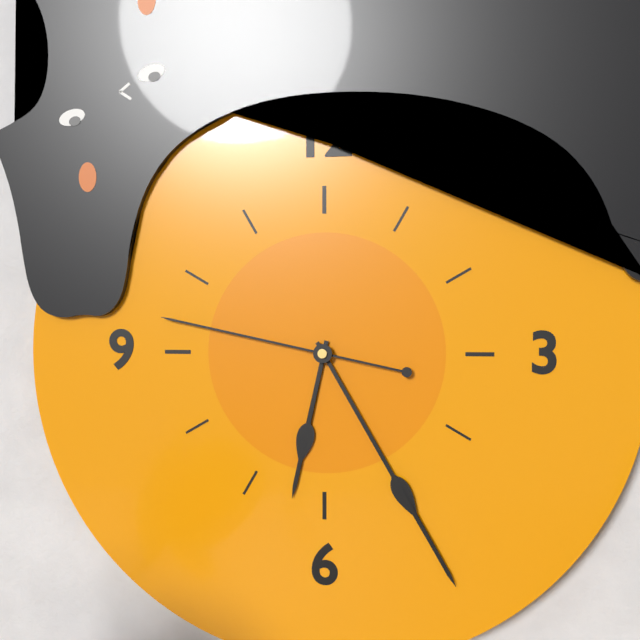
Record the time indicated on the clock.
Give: 6:25:47
